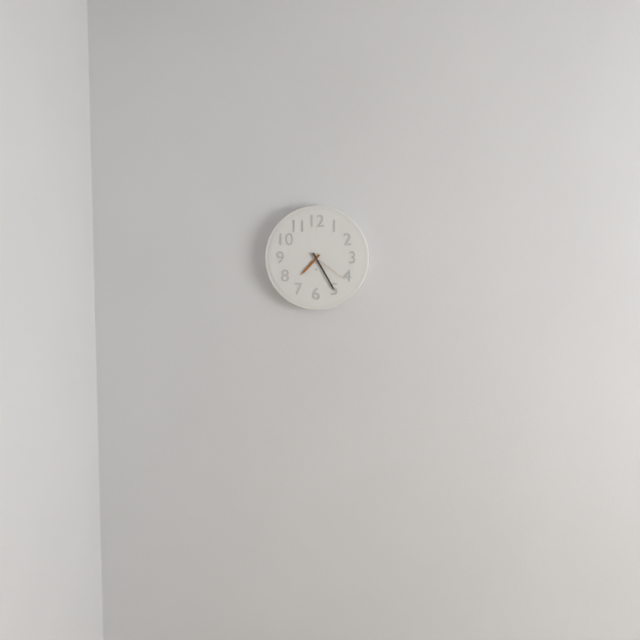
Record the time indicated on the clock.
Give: 7:25
